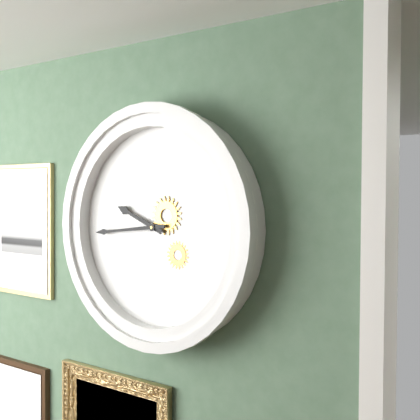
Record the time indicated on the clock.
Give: 9:44
